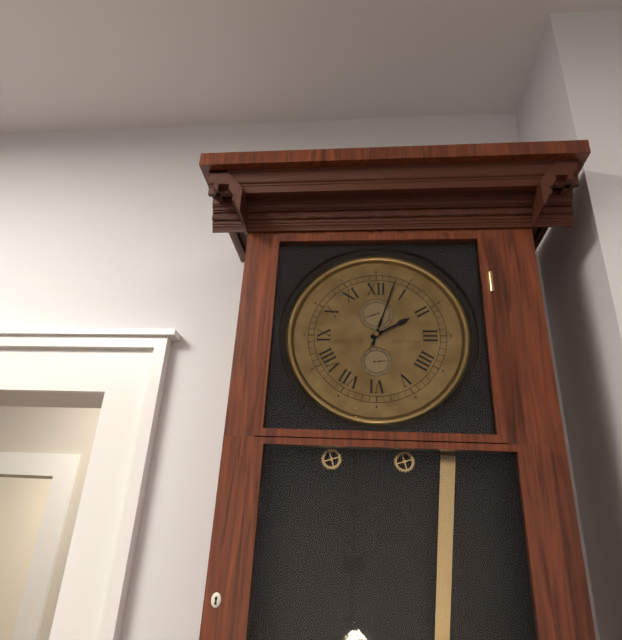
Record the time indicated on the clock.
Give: 2:03
